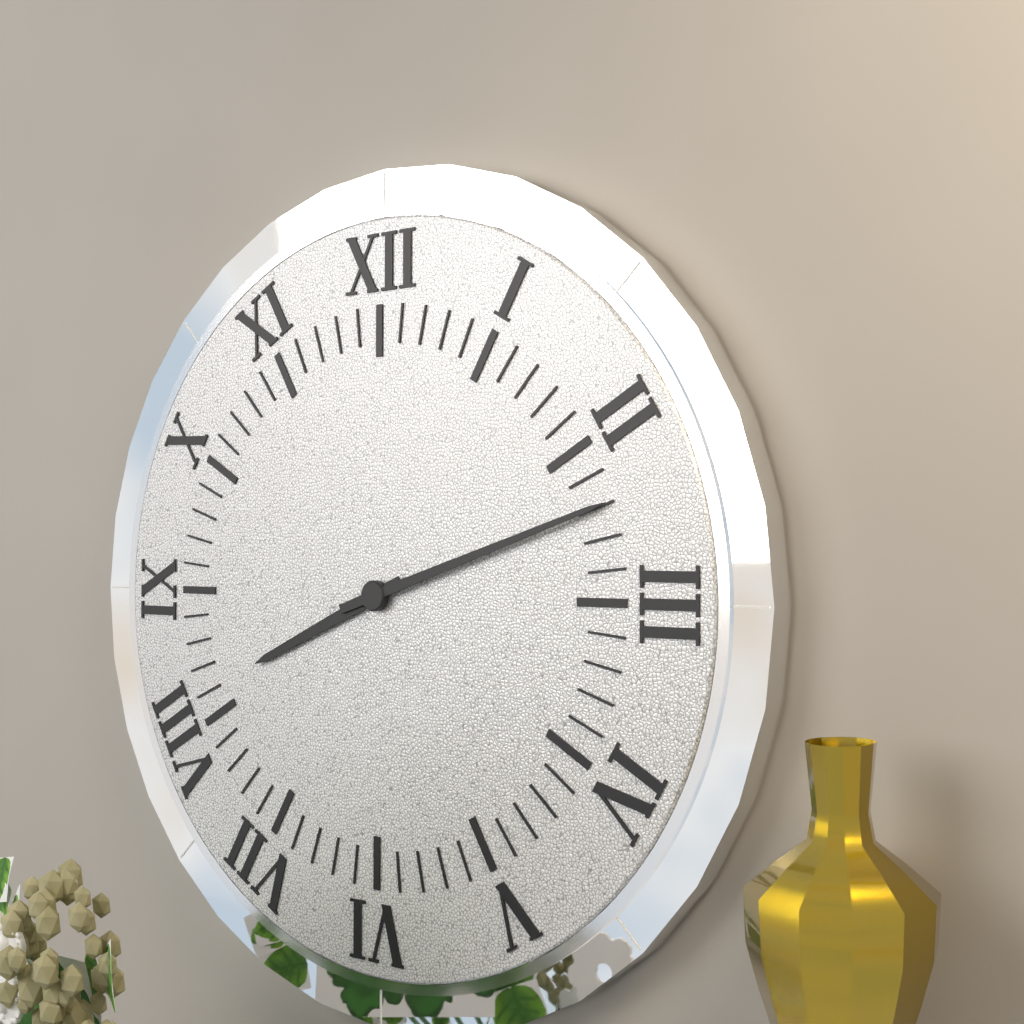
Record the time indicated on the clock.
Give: 8:12
